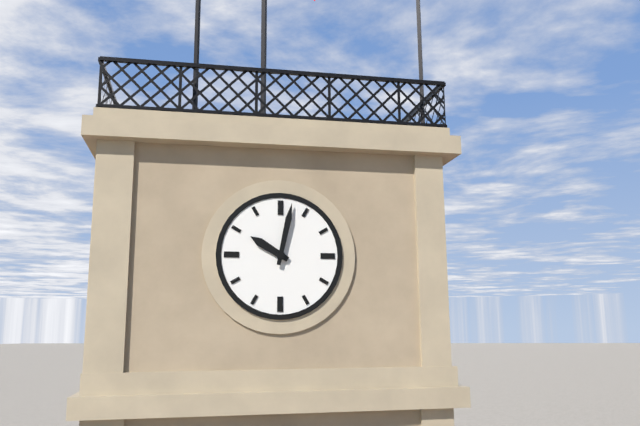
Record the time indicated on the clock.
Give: 10:02
